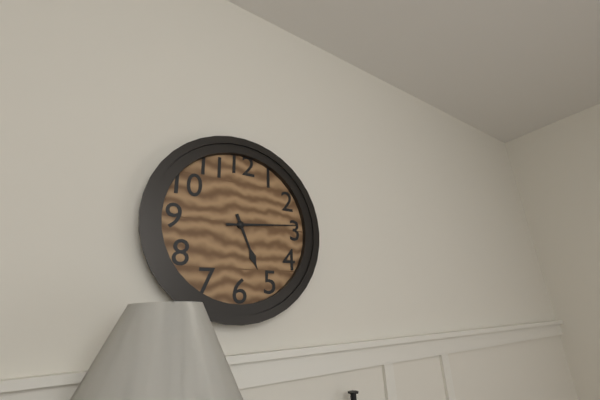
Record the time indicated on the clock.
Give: 5:14
